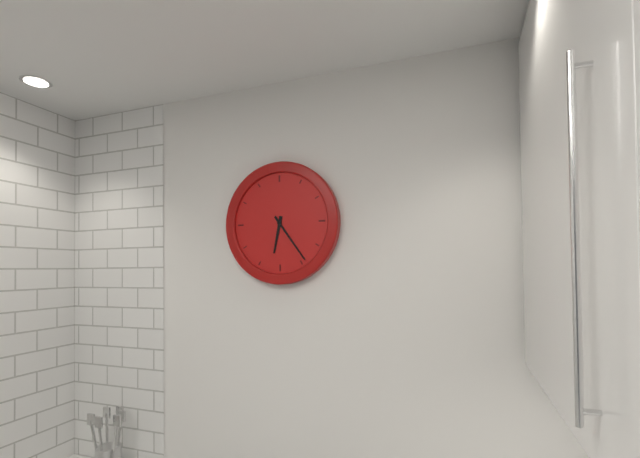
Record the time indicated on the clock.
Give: 6:24
